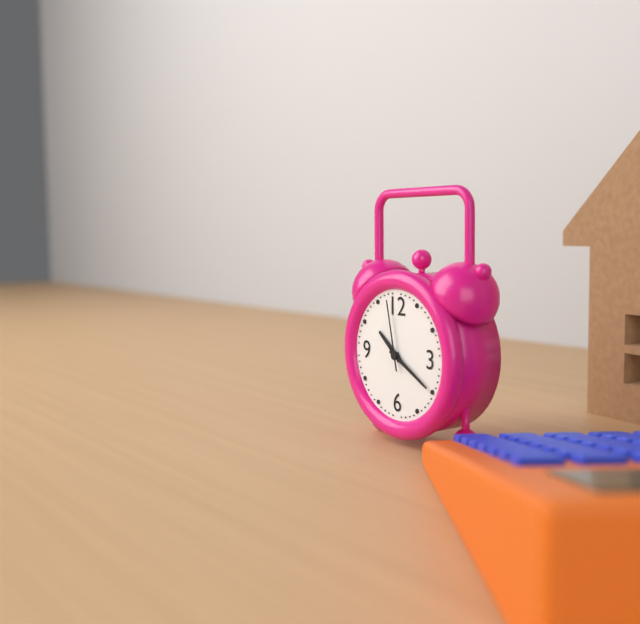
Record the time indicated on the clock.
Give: 10:20:58
